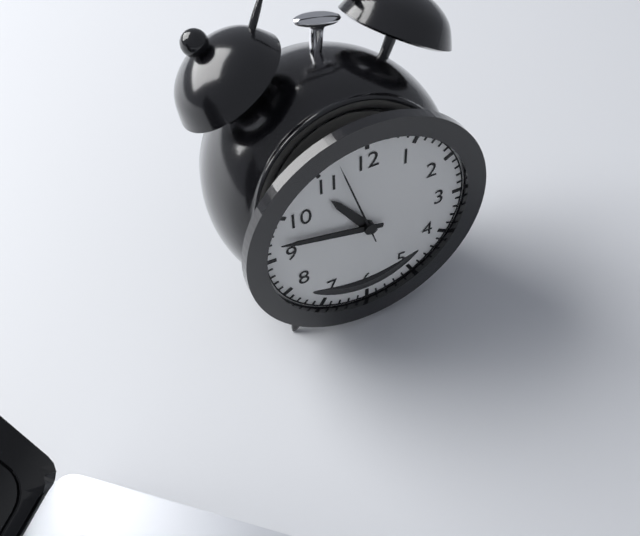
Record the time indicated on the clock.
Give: 10:47:57
